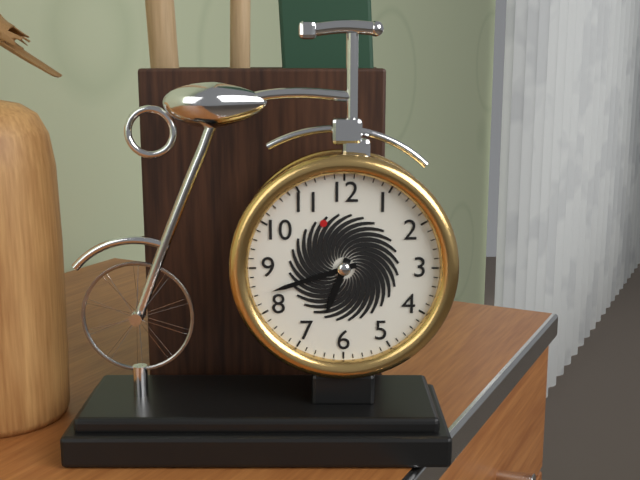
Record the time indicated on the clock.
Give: 6:42
